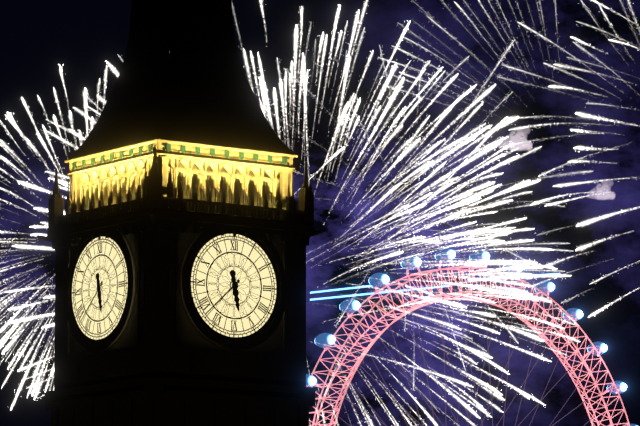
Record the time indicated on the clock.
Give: 5:38
